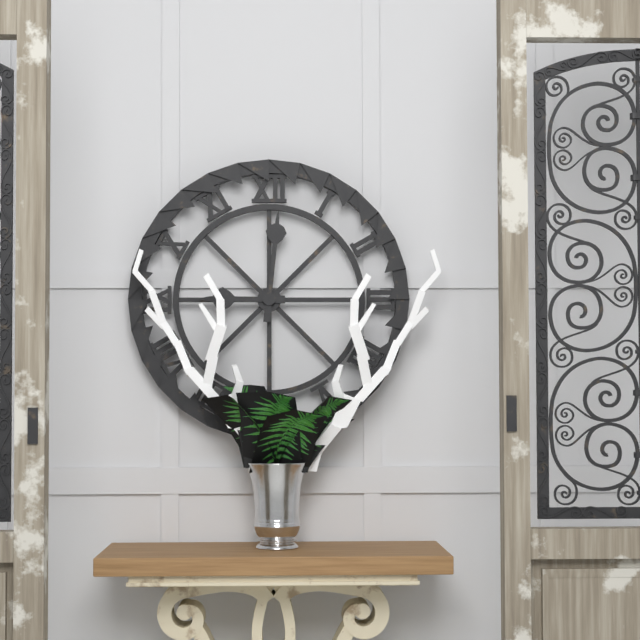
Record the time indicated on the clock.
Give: 9:01
